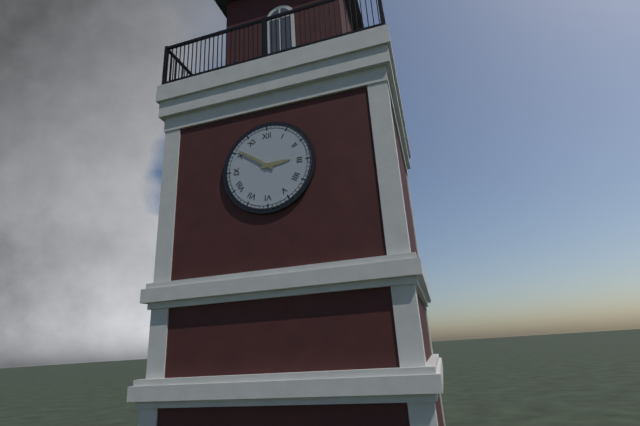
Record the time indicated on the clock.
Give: 2:51
